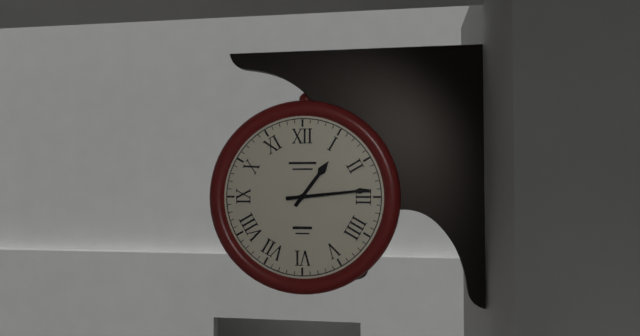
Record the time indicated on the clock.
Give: 1:14
